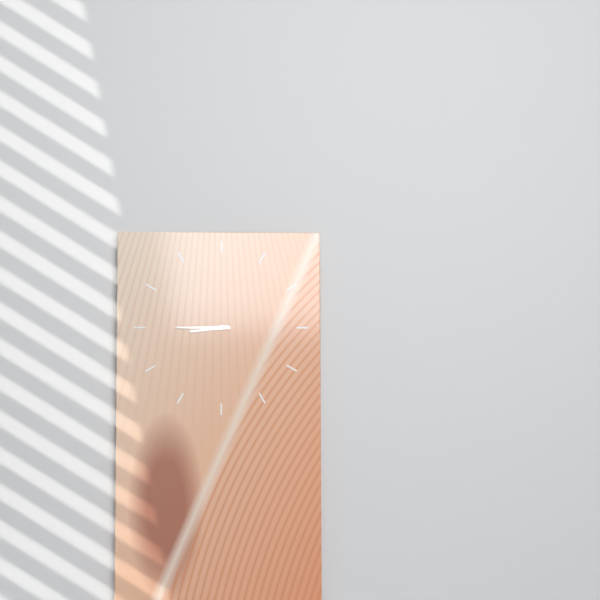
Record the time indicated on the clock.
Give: 8:45
